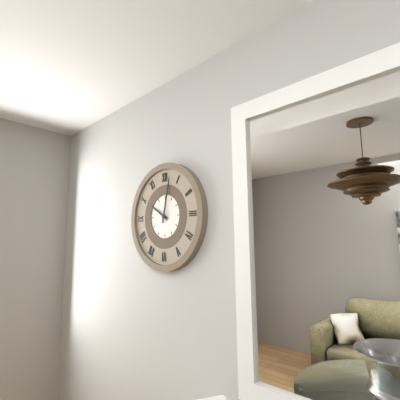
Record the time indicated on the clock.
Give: 10:02
